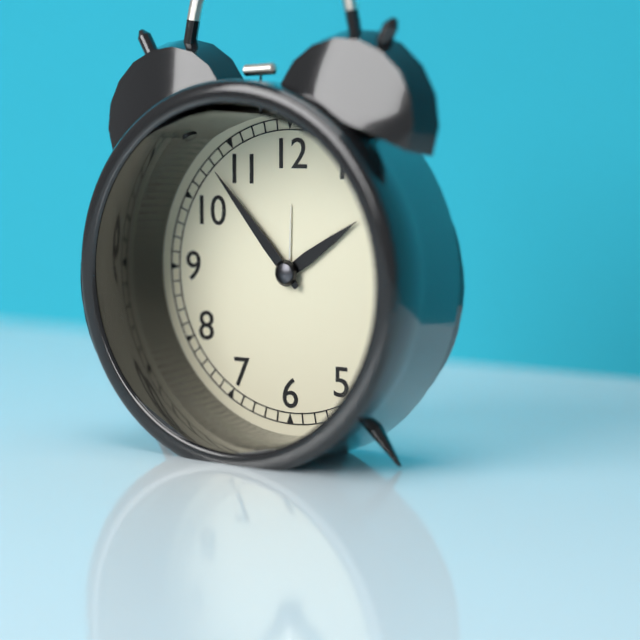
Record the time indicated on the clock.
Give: 1:53
